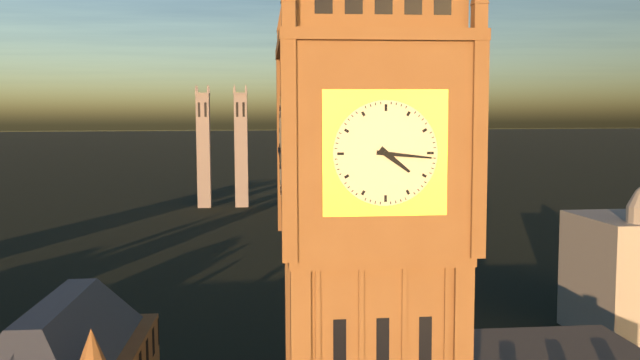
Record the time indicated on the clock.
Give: 4:16
